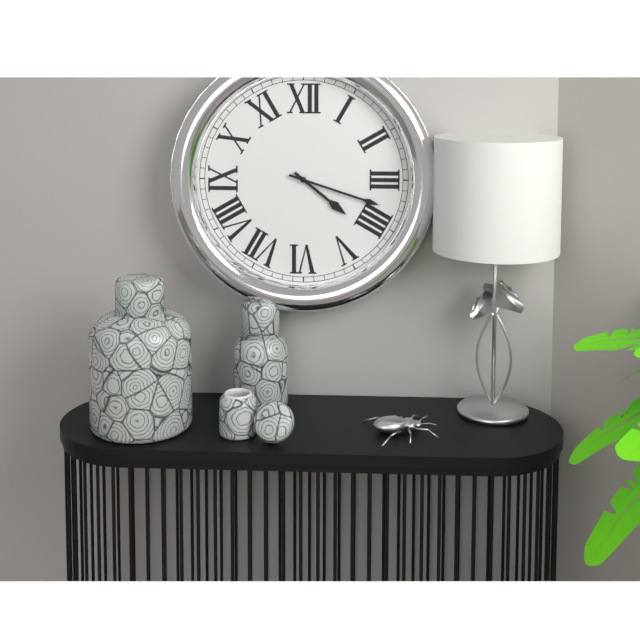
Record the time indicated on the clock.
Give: 4:18
